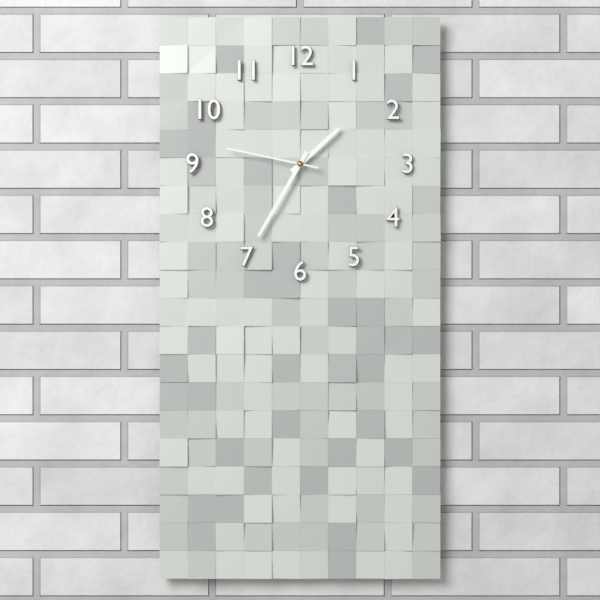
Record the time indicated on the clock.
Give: 1:35:47
